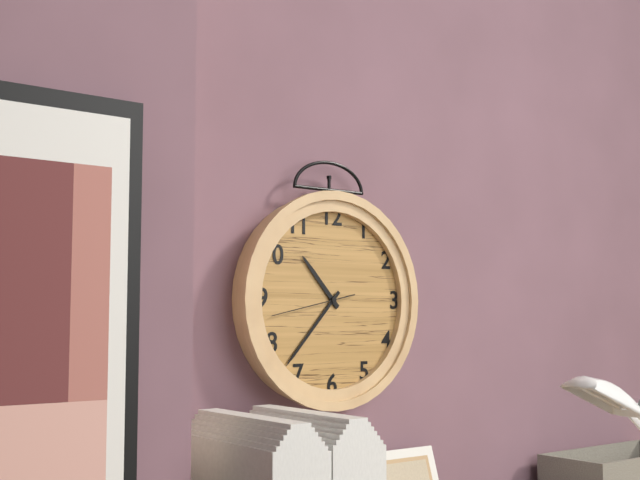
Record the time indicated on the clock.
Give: 10:37:43
